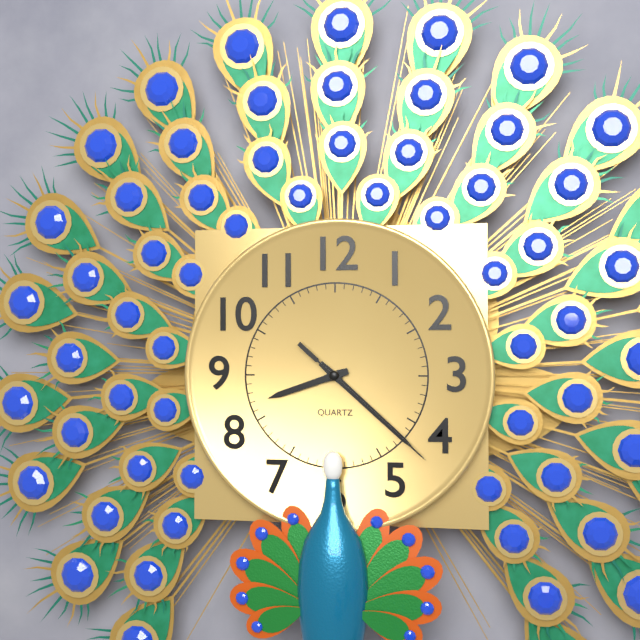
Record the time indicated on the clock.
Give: 8:22:22
